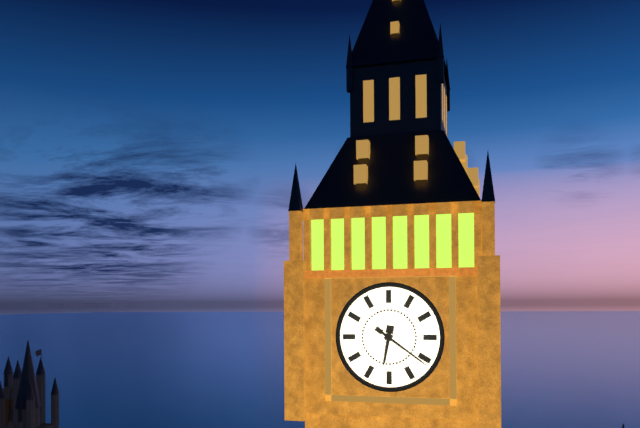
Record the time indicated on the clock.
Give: 6:21
